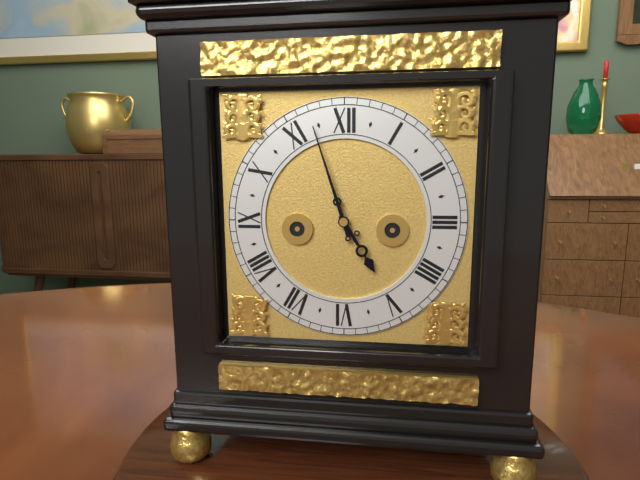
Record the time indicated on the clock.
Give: 4:57
